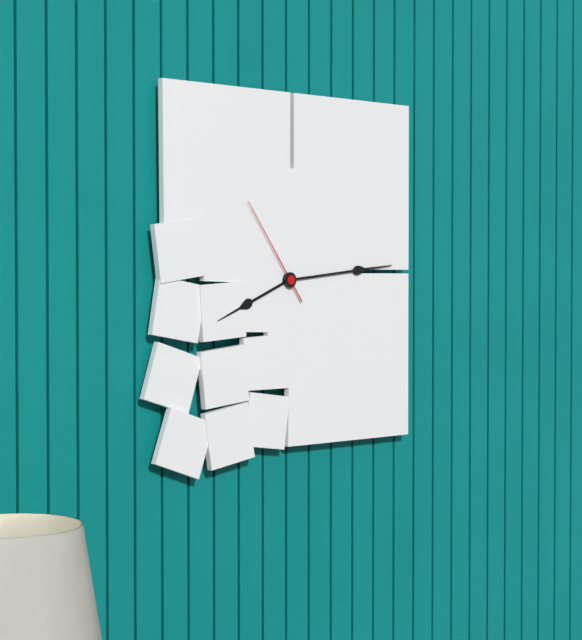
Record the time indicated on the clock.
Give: 8:14:54
